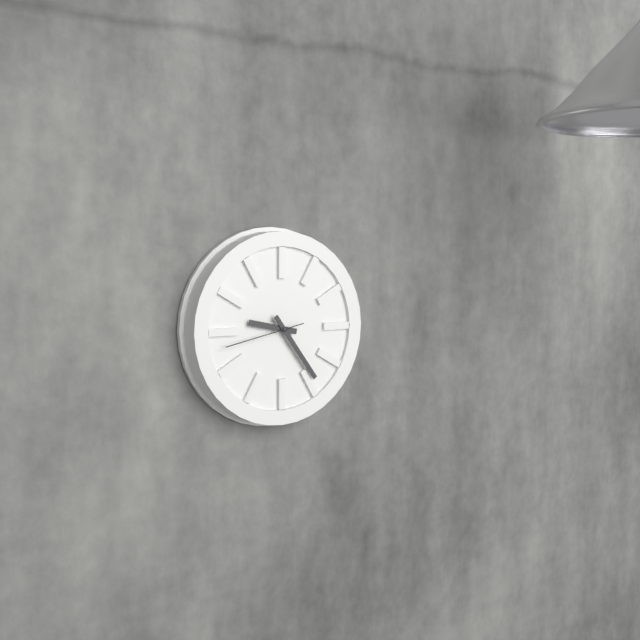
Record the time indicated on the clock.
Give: 9:24:43
